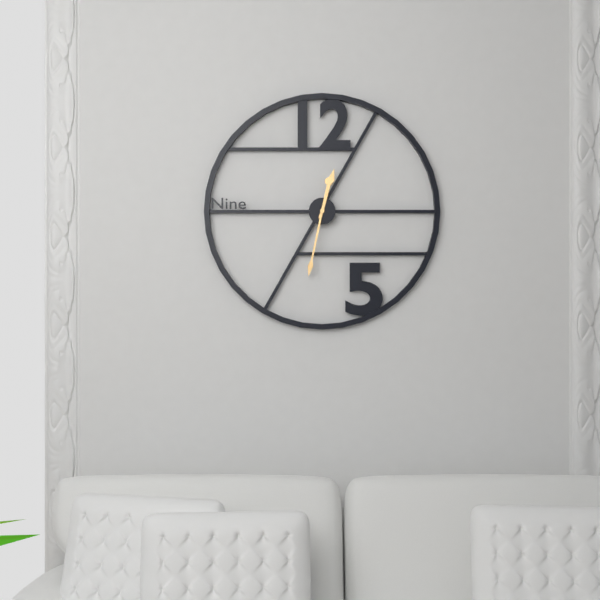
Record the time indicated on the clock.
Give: 12:32
